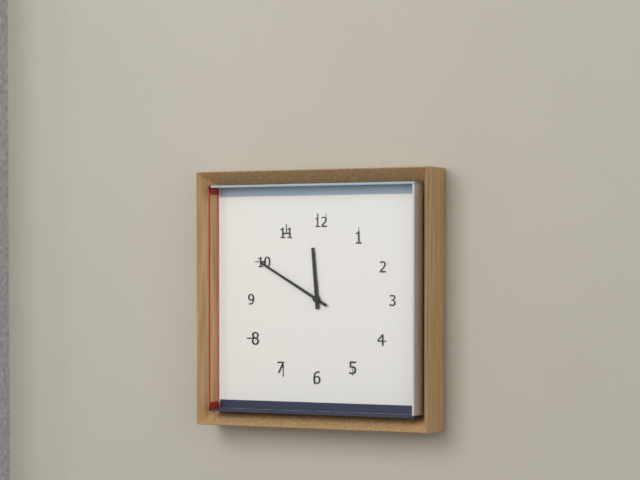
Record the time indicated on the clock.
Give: 11:50
